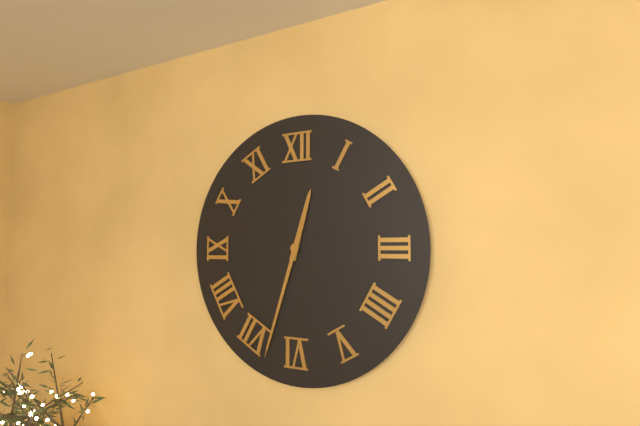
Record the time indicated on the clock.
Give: 12:33
